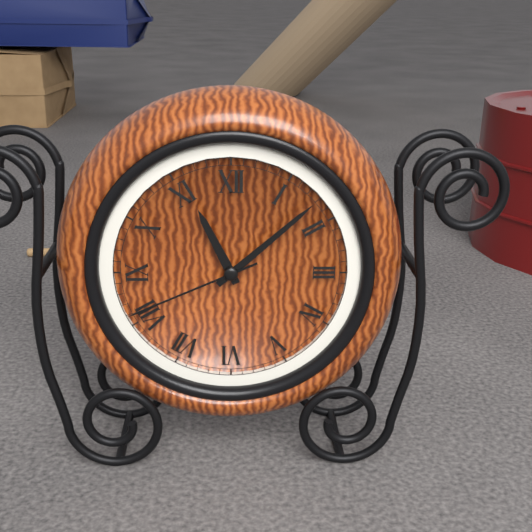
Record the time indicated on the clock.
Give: 11:08:41
